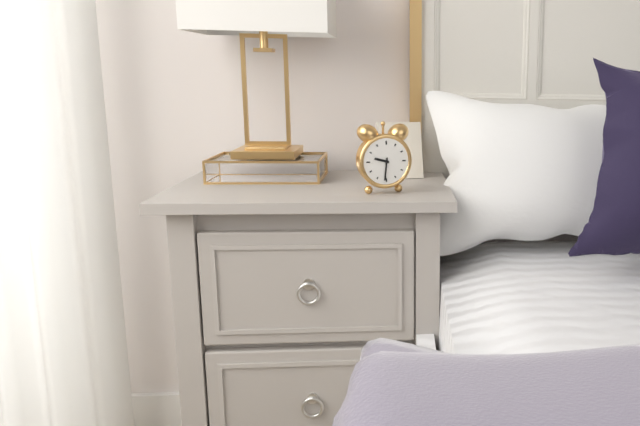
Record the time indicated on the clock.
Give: 9:31
